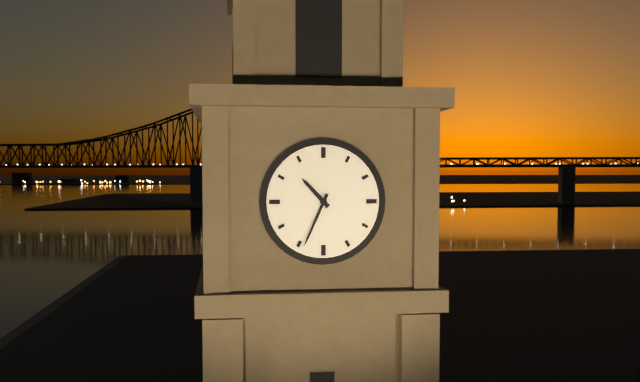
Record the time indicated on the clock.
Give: 10:34
